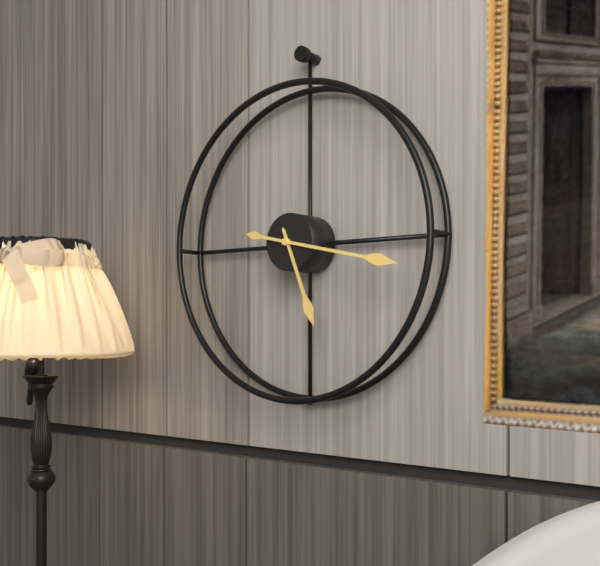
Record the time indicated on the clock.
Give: 5:17
